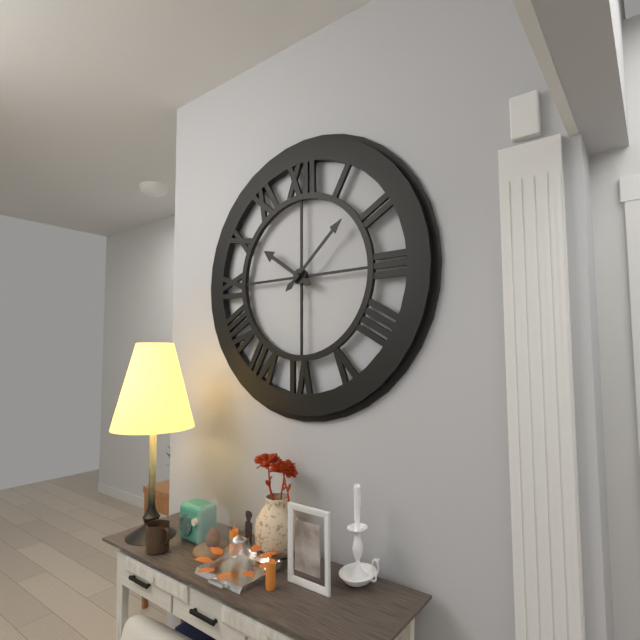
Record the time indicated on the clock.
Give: 10:08
